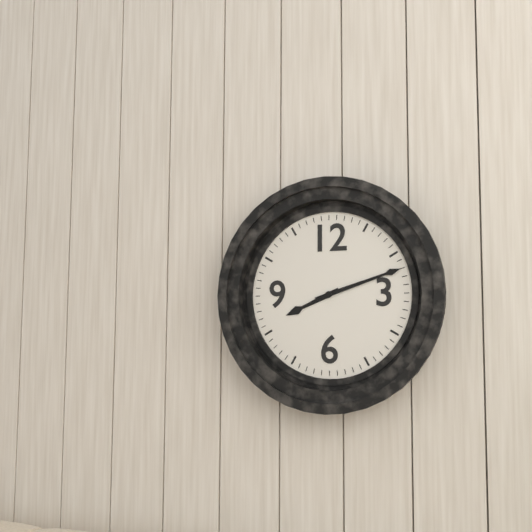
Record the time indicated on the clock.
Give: 8:12
